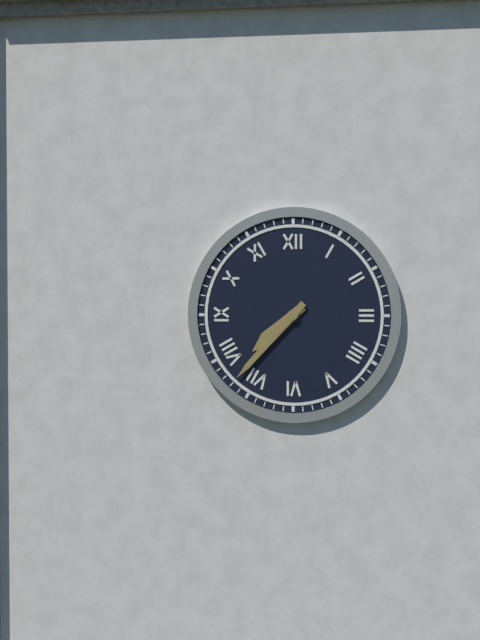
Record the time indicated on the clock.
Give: 7:37
